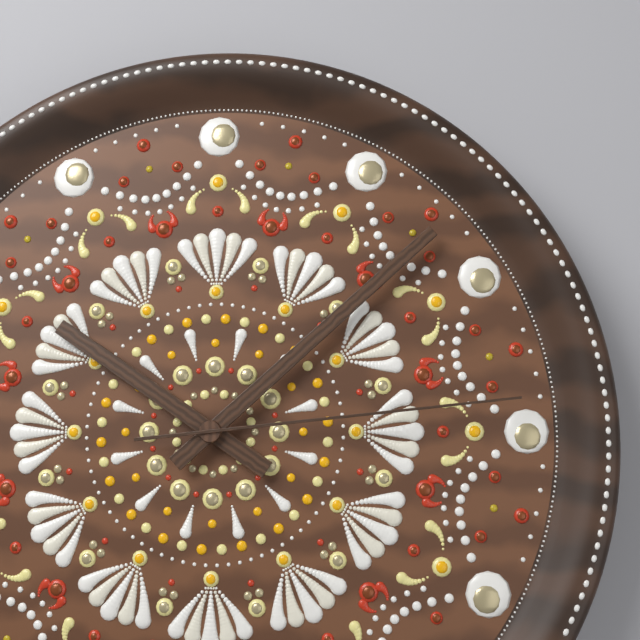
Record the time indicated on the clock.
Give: 10:08:14
